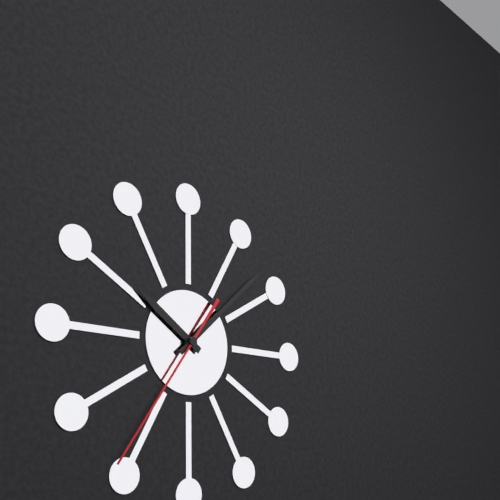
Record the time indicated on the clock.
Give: 10:08:36
